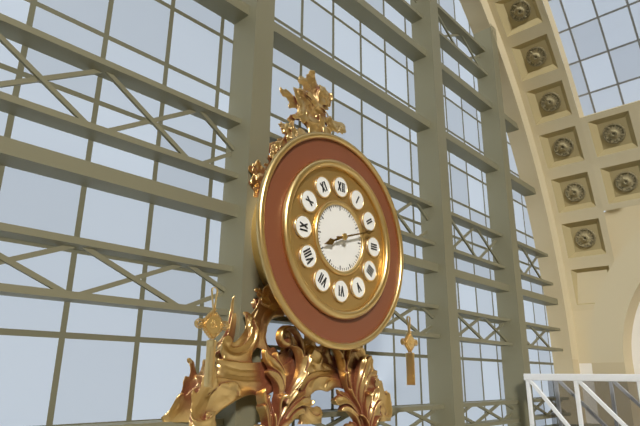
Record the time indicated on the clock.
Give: 8:12
